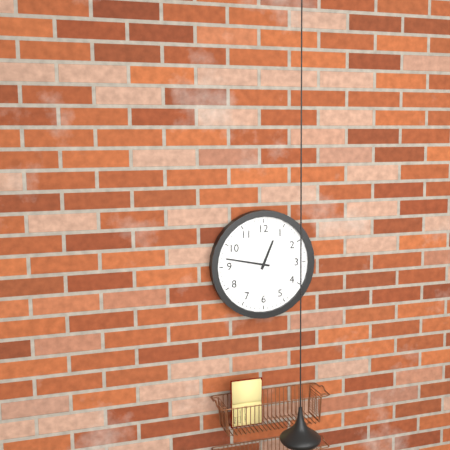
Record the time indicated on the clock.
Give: 12:47
